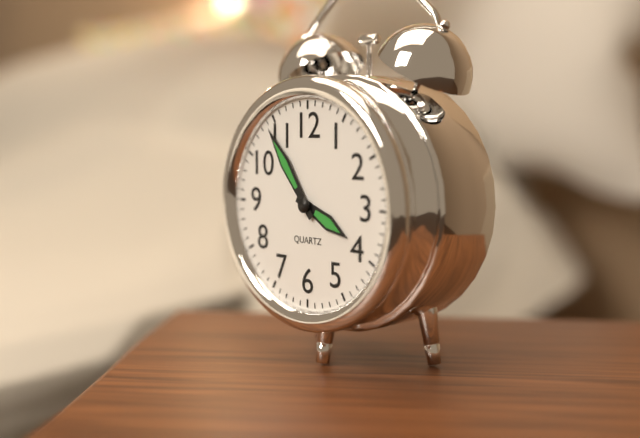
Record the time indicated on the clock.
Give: 3:54
